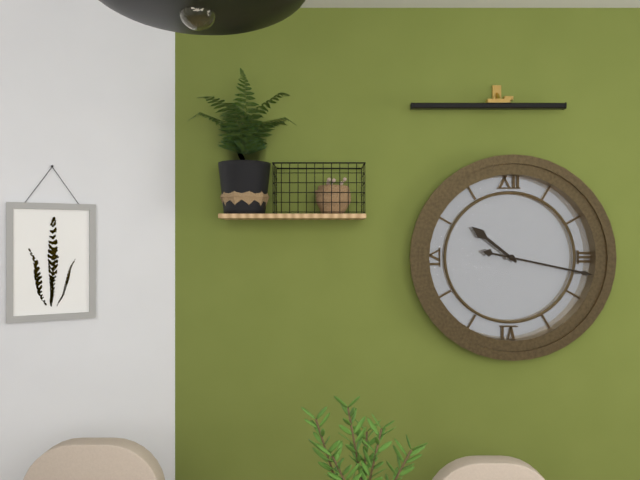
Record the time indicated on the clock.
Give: 10:17
